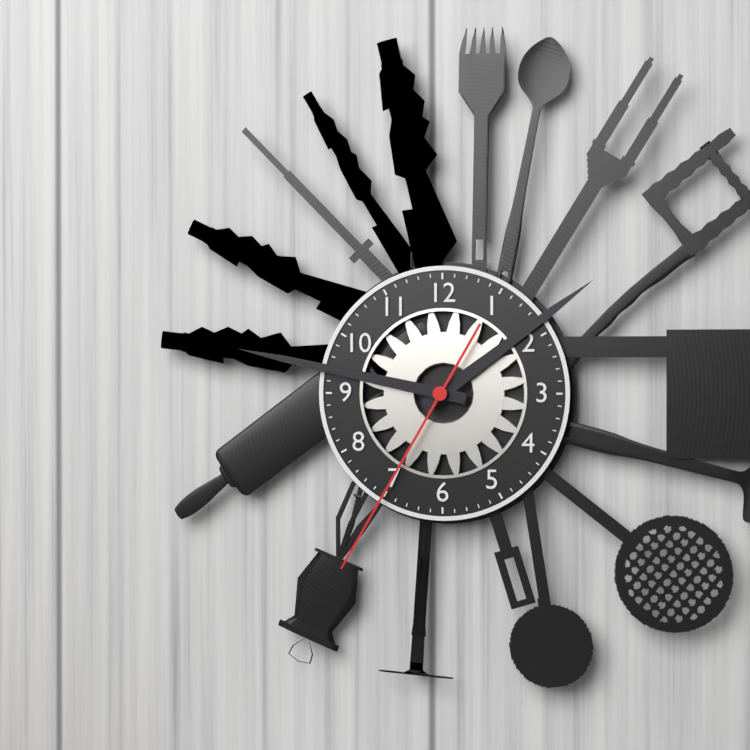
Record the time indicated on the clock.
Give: 1:47:35
